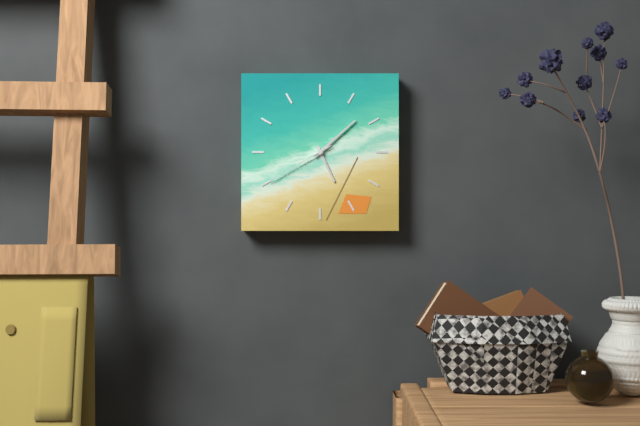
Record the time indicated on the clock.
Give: 5:08:40
